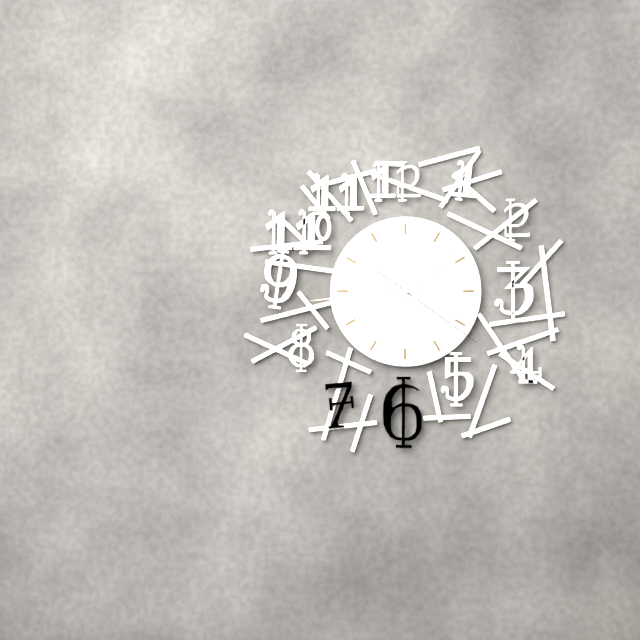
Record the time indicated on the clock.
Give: 1:44:21
